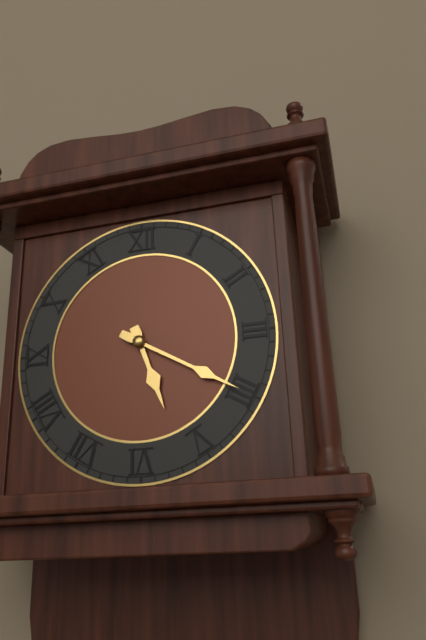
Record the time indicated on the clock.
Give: 5:20
